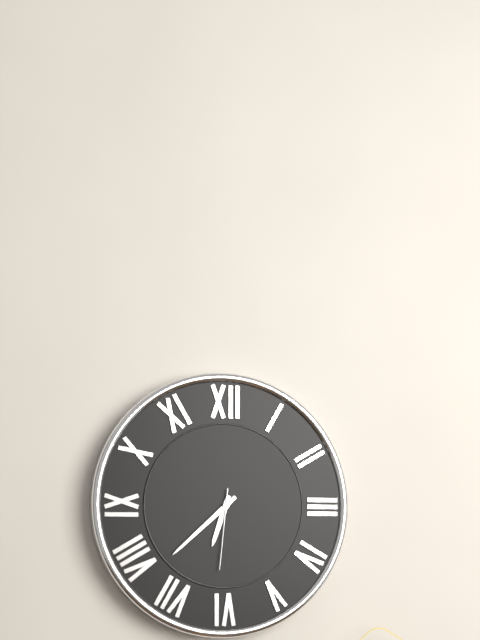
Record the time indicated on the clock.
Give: 6:38:31
